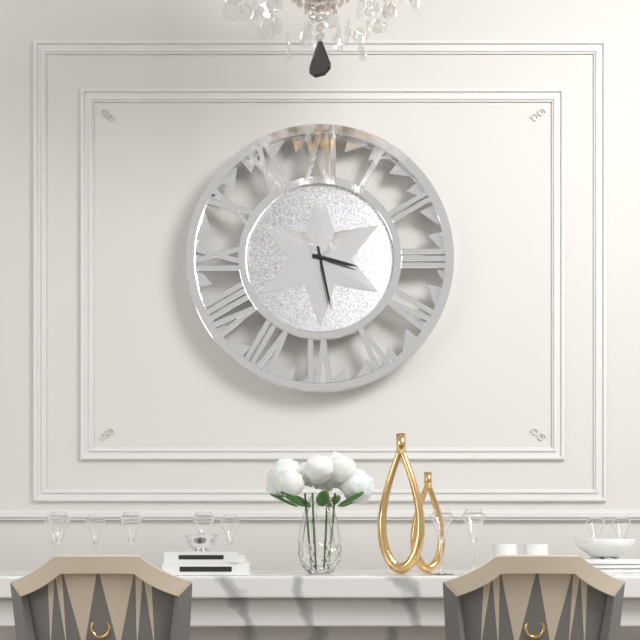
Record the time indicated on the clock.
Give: 3:28
